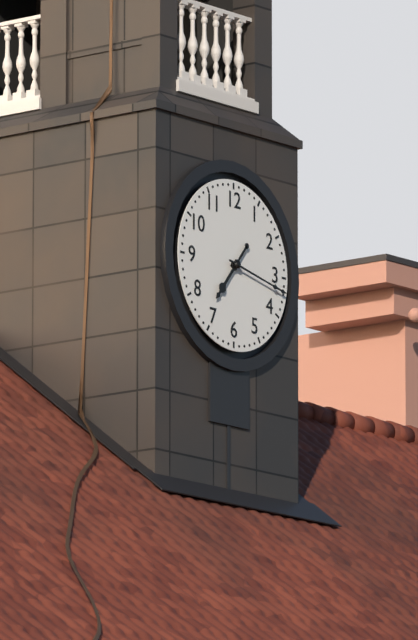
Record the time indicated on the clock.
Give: 7:17
